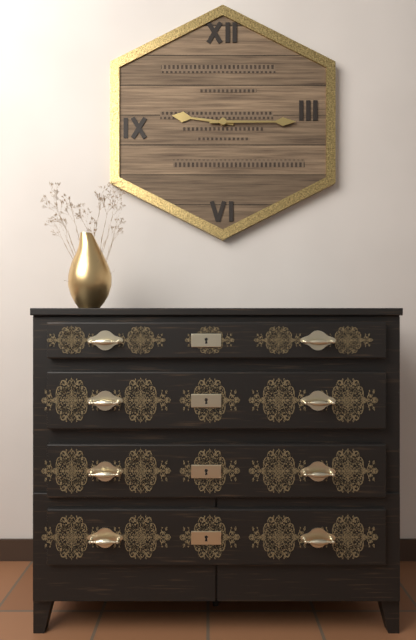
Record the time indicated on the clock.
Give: 9:15
